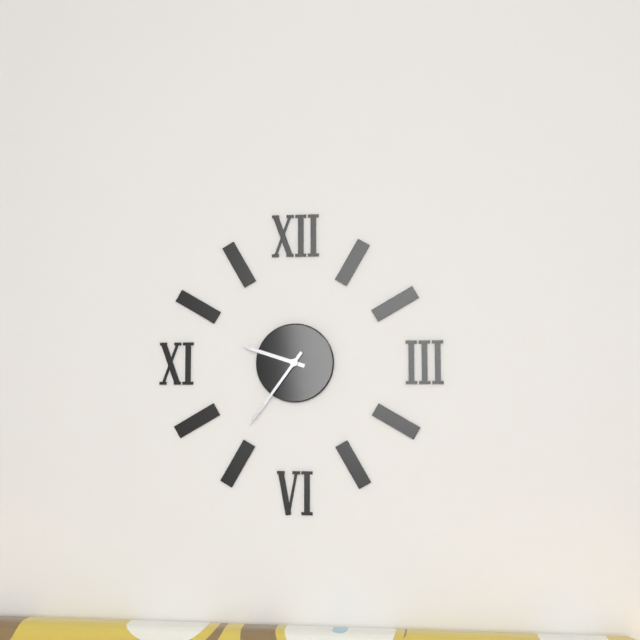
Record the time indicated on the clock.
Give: 9:36
